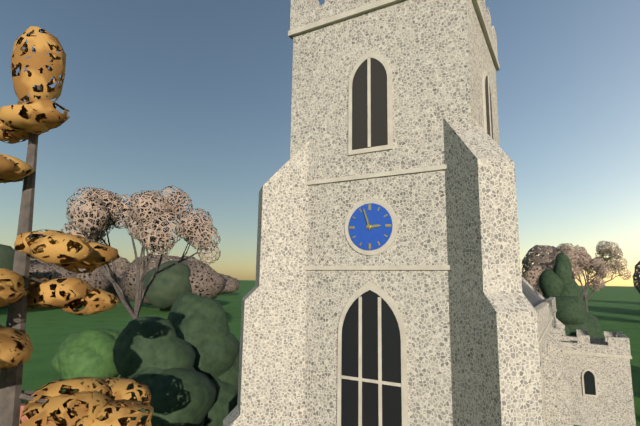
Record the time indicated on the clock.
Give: 2:57
